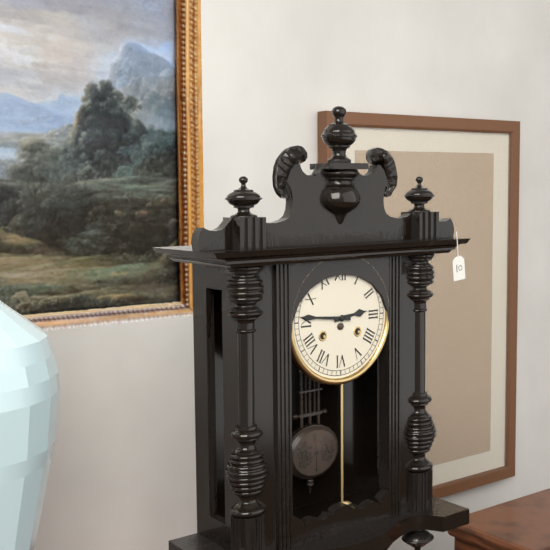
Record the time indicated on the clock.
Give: 2:46
